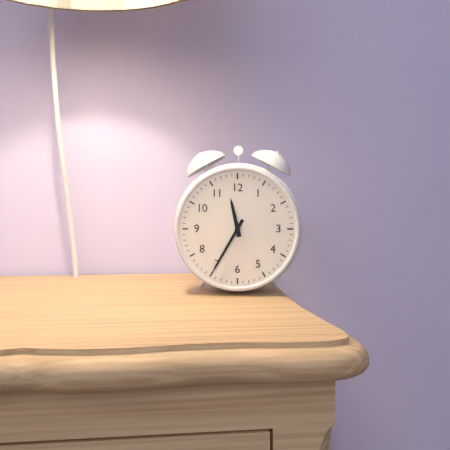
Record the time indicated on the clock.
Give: 11:35
